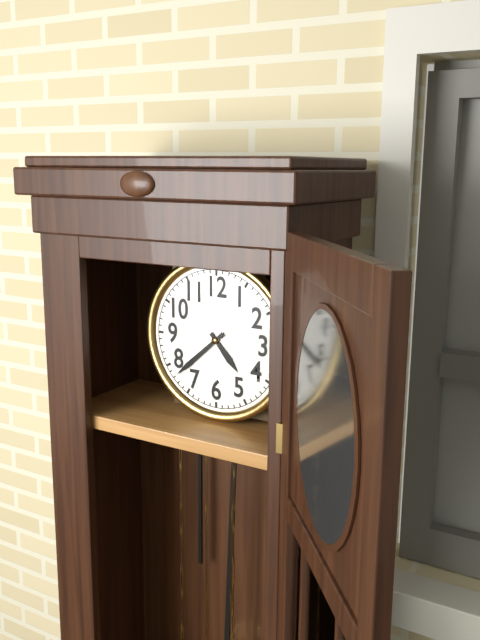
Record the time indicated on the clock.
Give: 4:38
